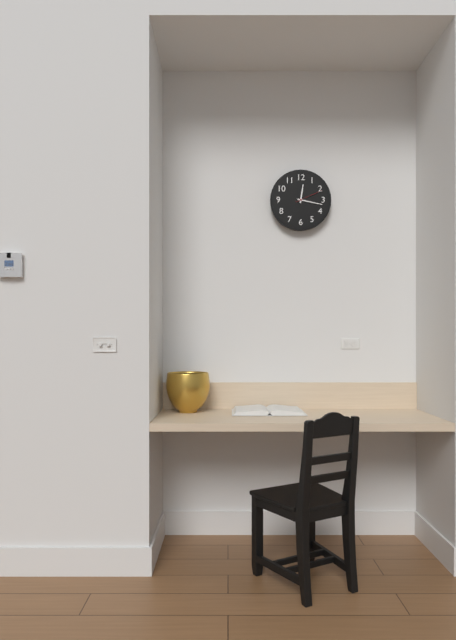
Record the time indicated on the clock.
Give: 12:17
